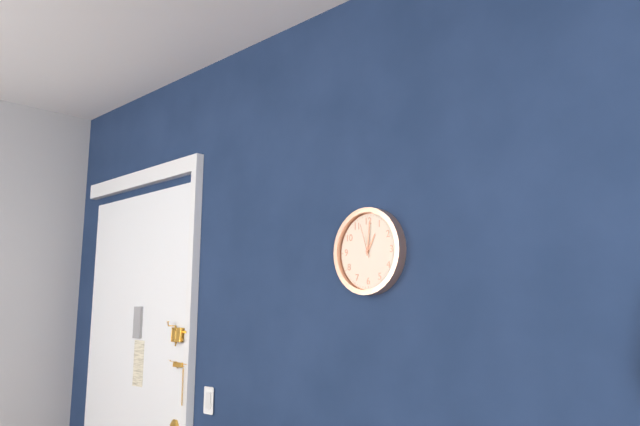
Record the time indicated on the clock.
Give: 1:01
